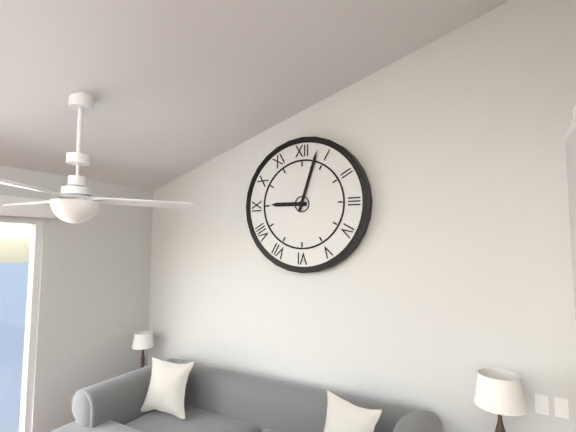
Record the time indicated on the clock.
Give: 9:03
